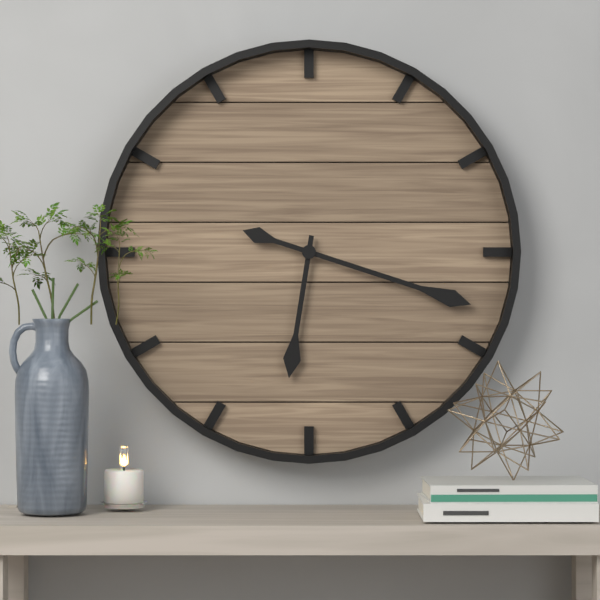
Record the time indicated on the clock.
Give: 6:18
